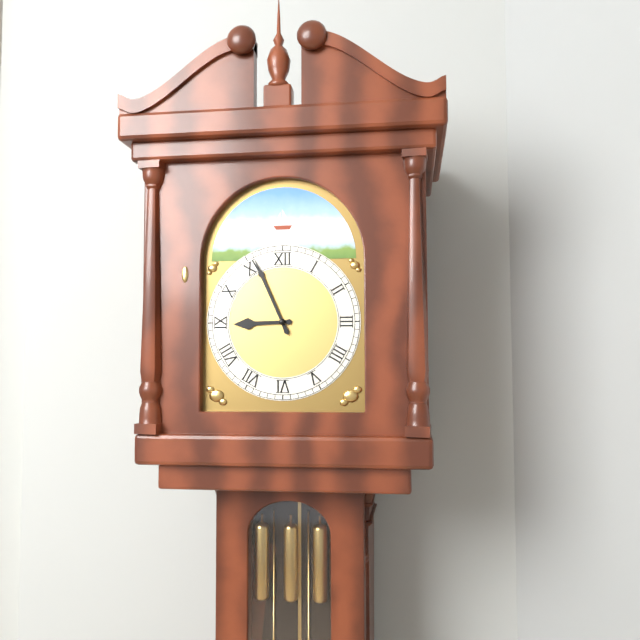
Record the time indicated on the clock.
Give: 8:56
